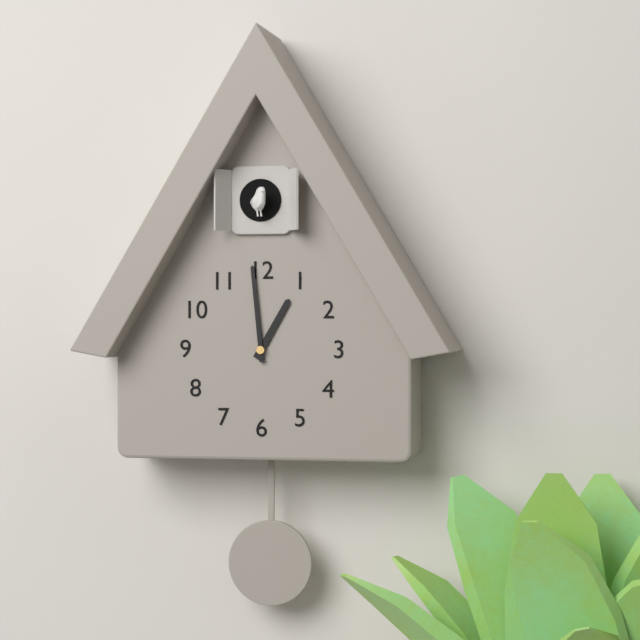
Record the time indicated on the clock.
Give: 12:59
